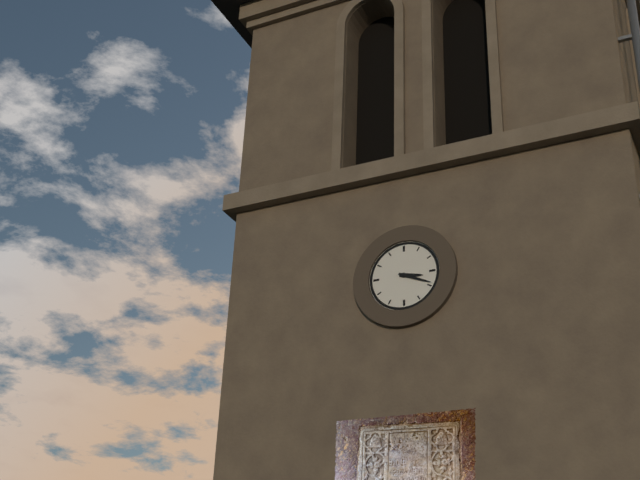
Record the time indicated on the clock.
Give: 3:19
